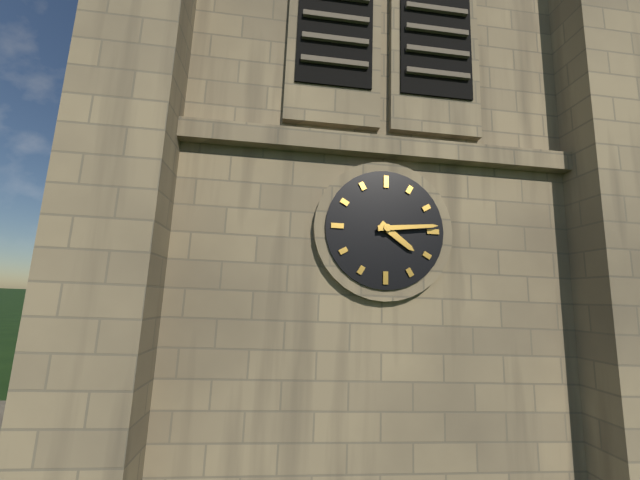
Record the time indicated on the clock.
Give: 4:14
